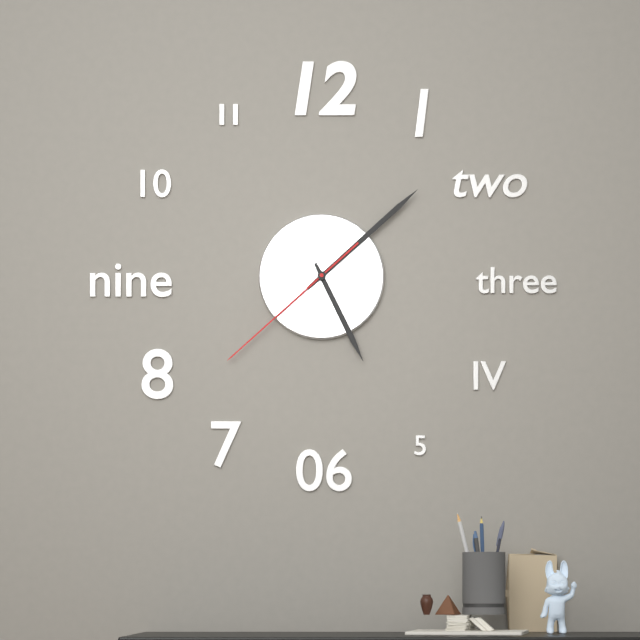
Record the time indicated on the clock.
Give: 5:08:38
